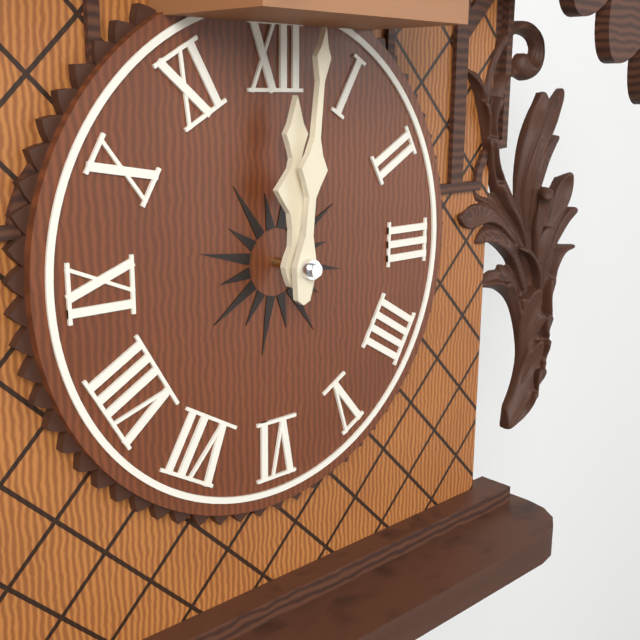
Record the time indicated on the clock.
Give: 12:01
